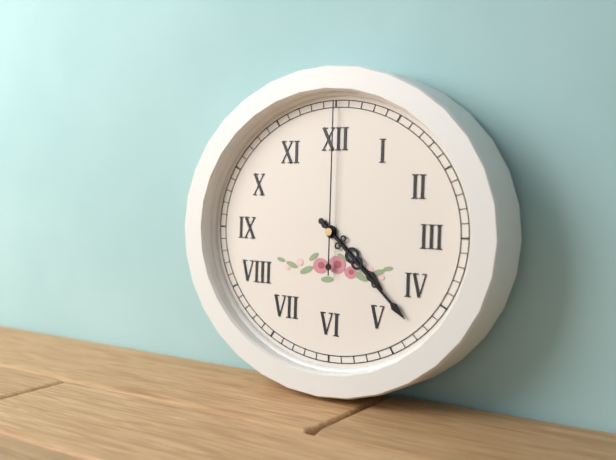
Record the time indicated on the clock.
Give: 4:22:00
